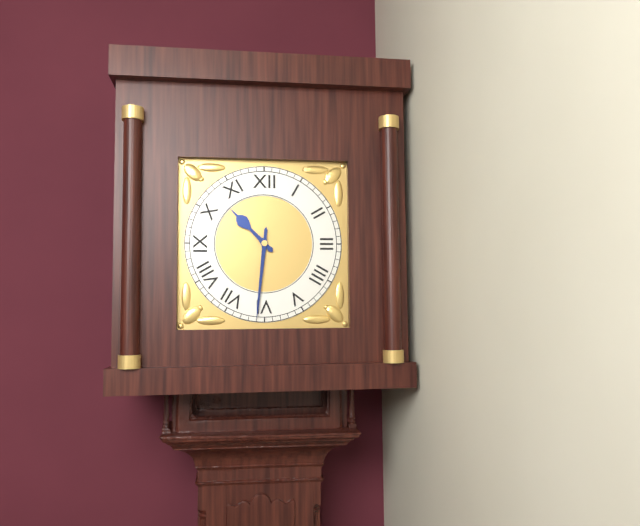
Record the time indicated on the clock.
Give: 10:31
